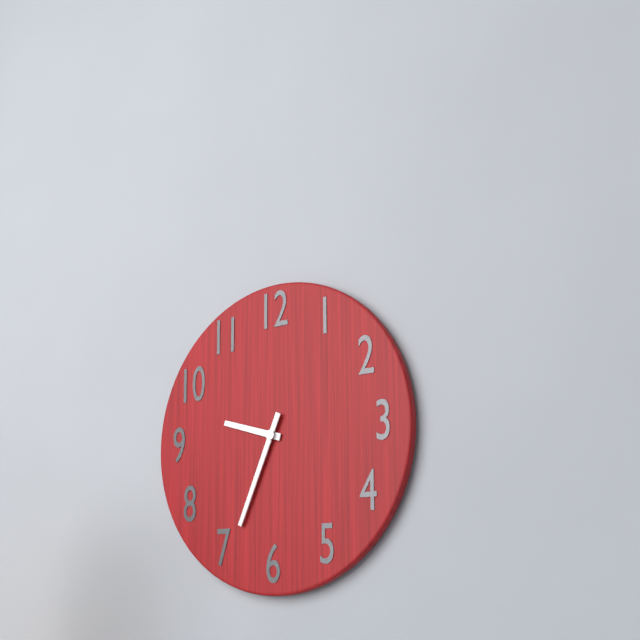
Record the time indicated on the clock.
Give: 9:34
